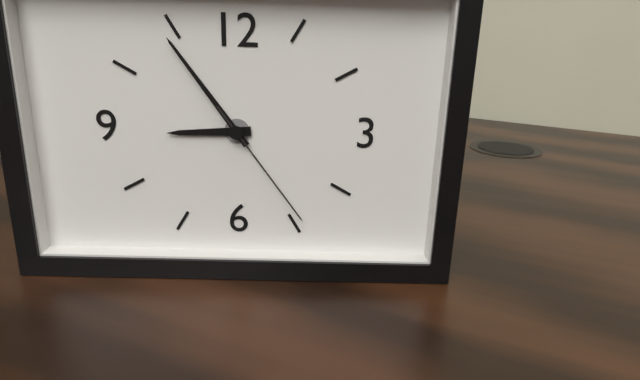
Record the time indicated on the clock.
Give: 8:54:24
